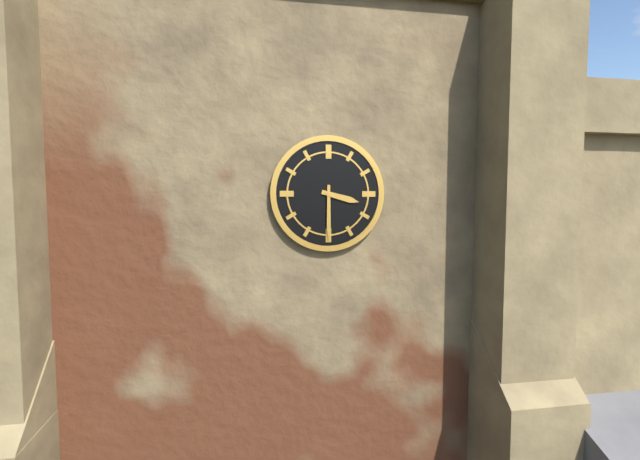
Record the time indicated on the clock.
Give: 3:30
